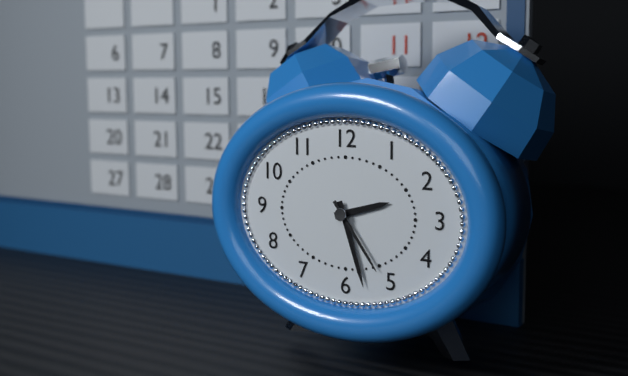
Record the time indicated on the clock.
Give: 2:27:24
